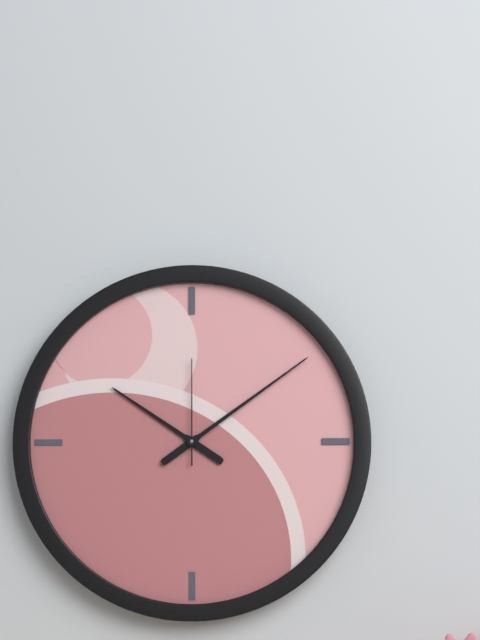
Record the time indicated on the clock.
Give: 10:09:00
